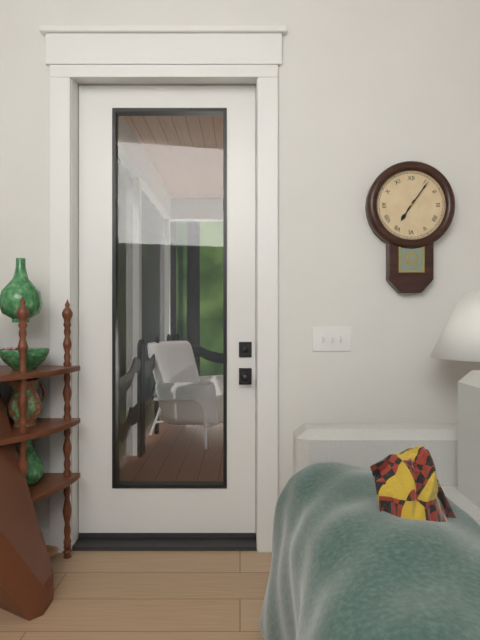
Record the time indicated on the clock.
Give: 7:06
